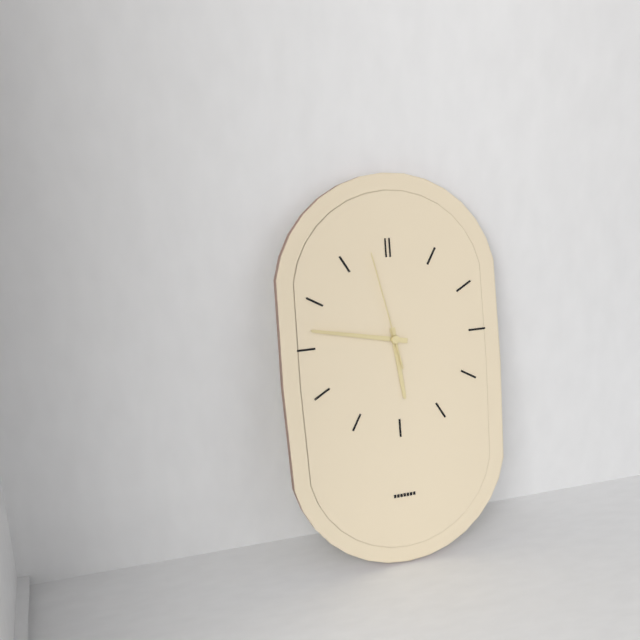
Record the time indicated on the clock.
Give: 5:47:58
